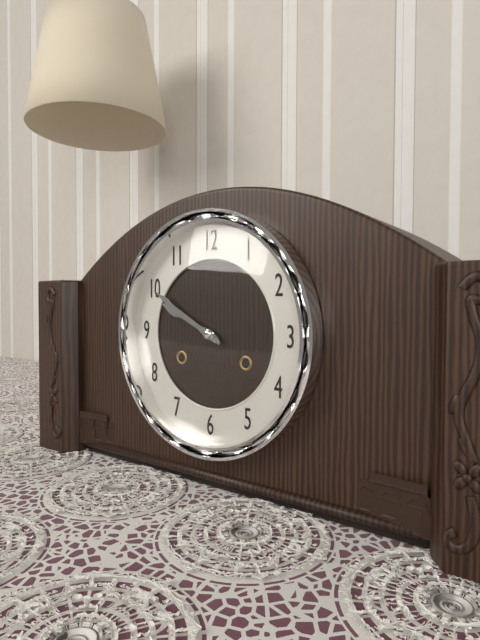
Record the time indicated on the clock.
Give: 9:50
